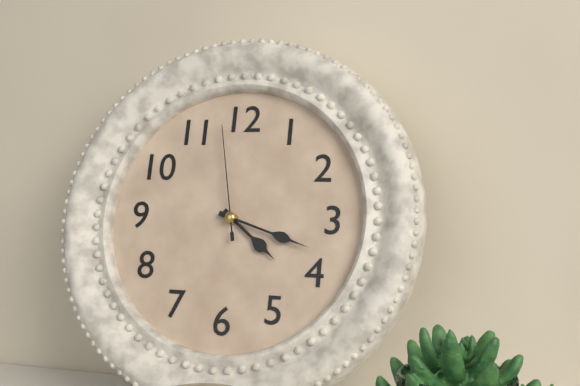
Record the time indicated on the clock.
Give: 4:18:58
